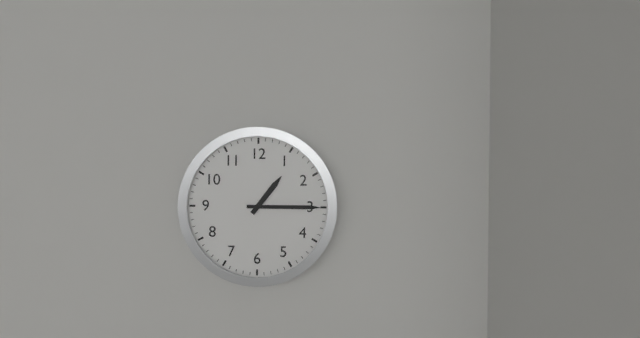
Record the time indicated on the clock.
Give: 1:15
